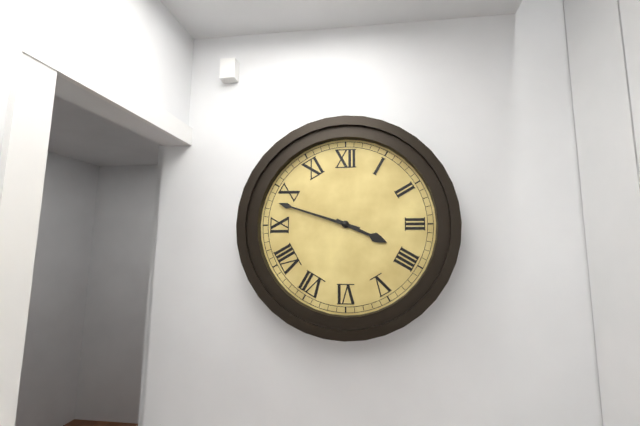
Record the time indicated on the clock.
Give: 3:48
